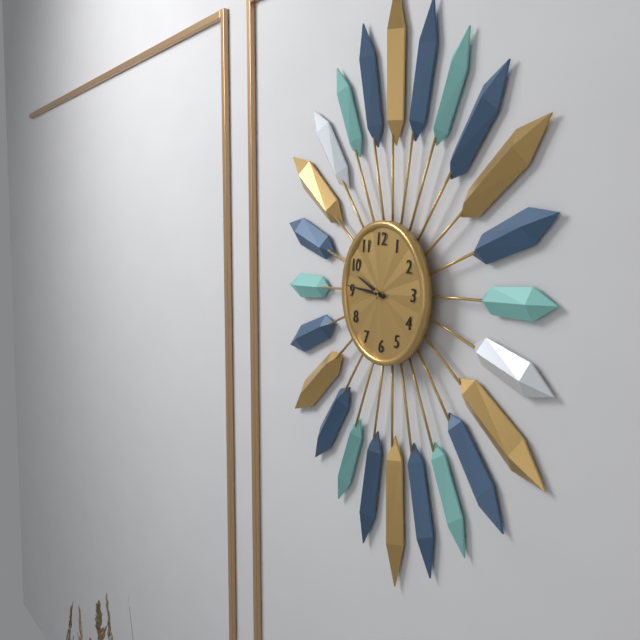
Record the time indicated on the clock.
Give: 9:46
